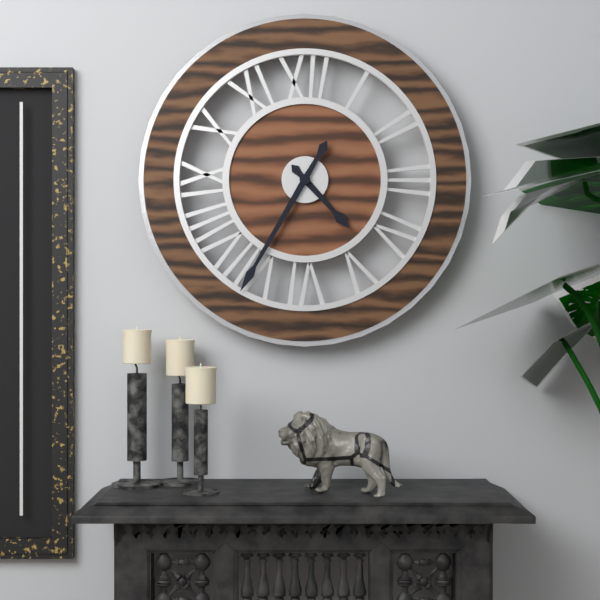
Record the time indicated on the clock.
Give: 4:35
